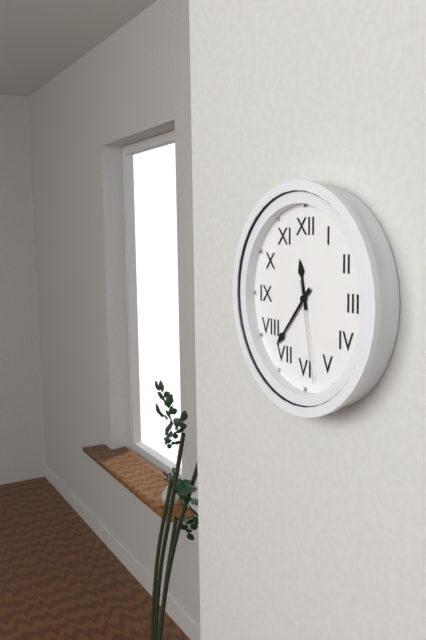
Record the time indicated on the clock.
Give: 11:37:28
